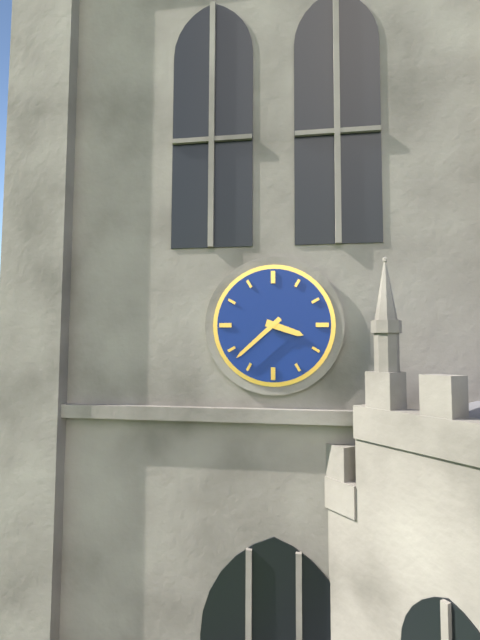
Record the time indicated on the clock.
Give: 3:38
